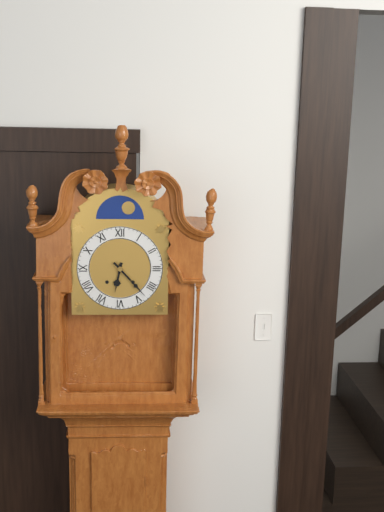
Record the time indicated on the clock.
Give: 6:23
